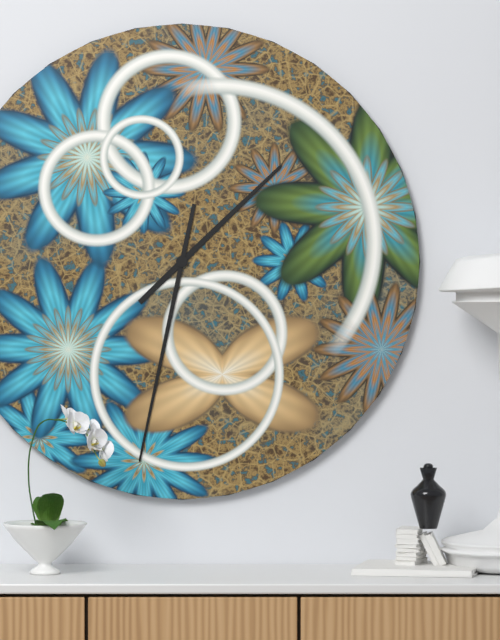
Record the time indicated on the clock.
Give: 1:32
